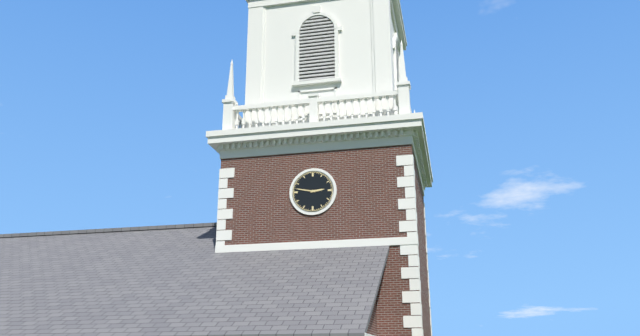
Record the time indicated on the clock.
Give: 2:47
